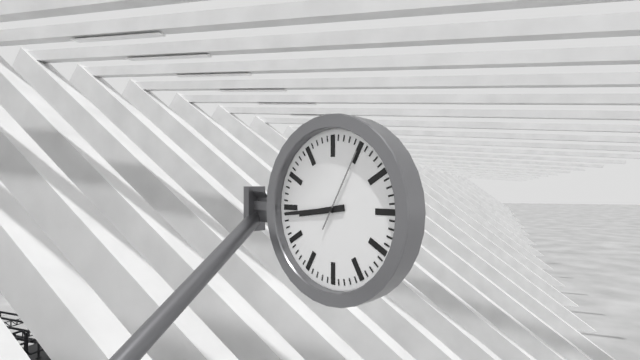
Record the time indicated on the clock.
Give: 8:44:05
